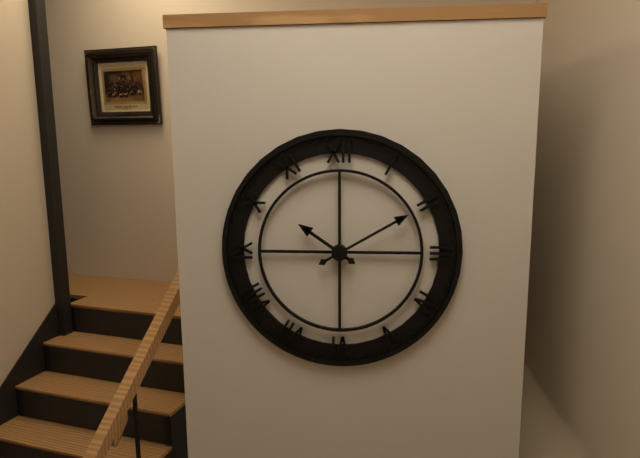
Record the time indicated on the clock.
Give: 10:10
